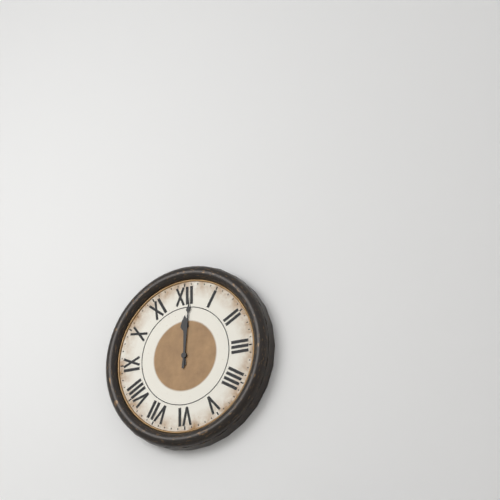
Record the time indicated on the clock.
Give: 12:01
